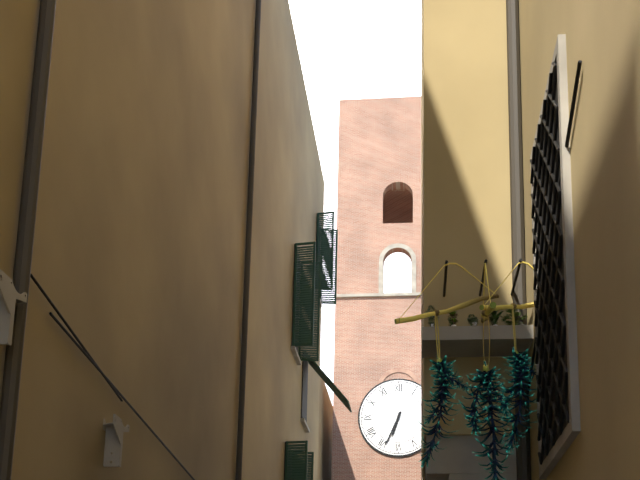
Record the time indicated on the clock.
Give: 6:34
